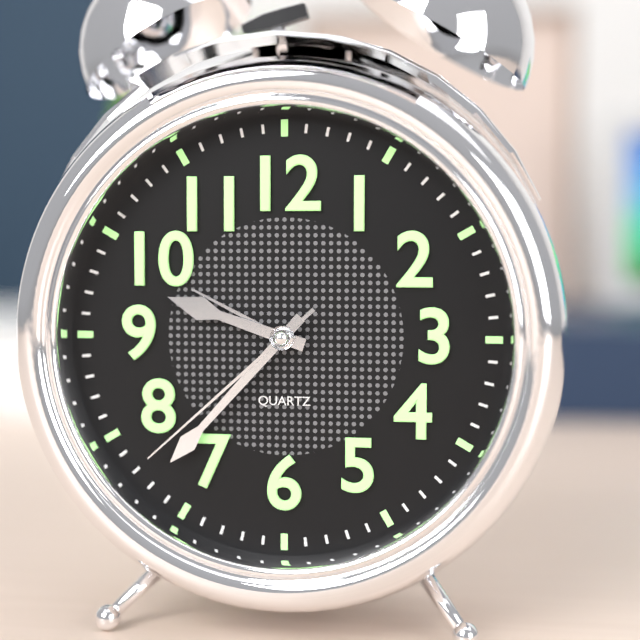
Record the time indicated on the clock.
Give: 9:37:38
